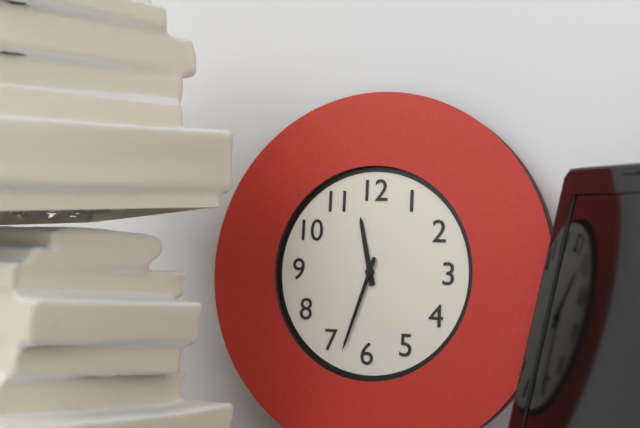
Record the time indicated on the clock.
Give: 11:33
